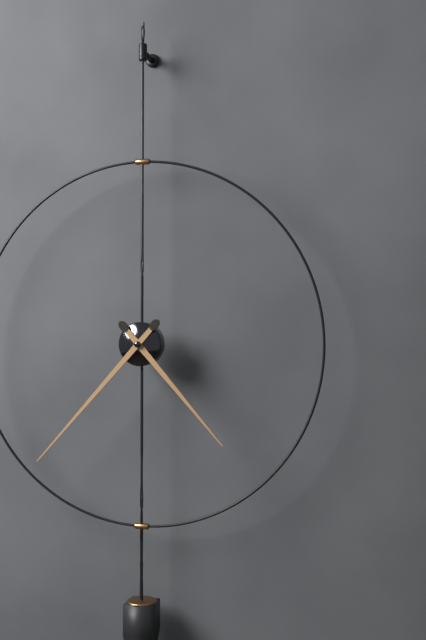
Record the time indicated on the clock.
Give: 4:37
